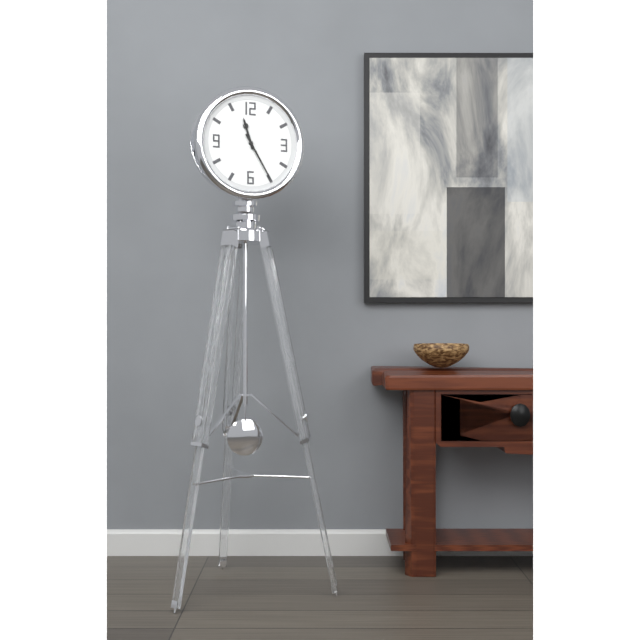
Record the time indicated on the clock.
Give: 11:25
